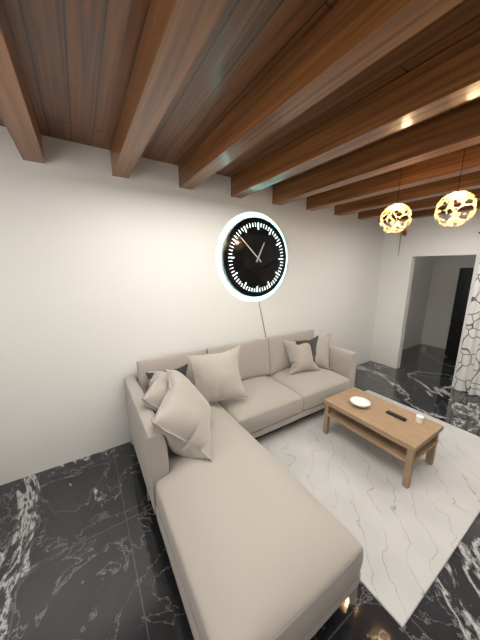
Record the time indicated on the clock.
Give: 12:52
